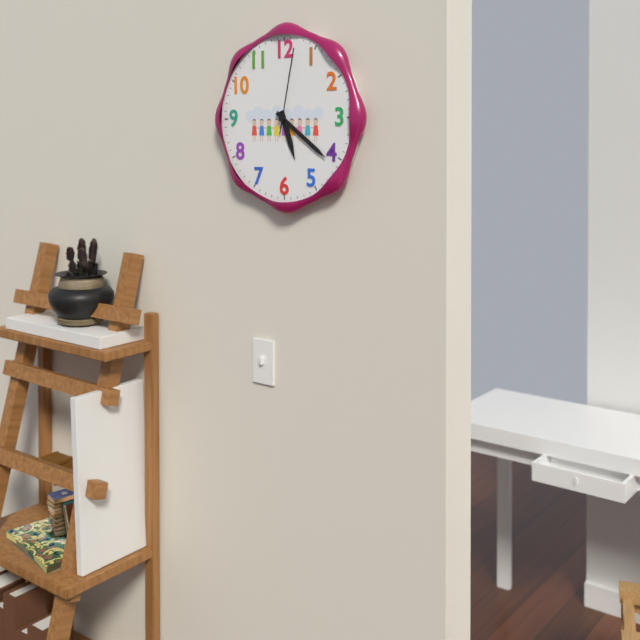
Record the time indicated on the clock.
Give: 5:21:02
